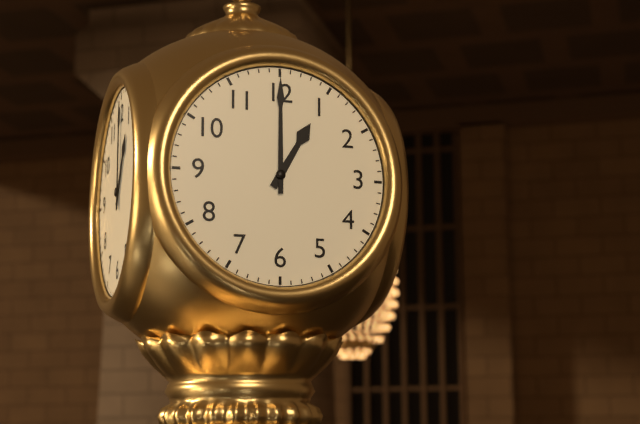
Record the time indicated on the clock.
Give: 1:00
